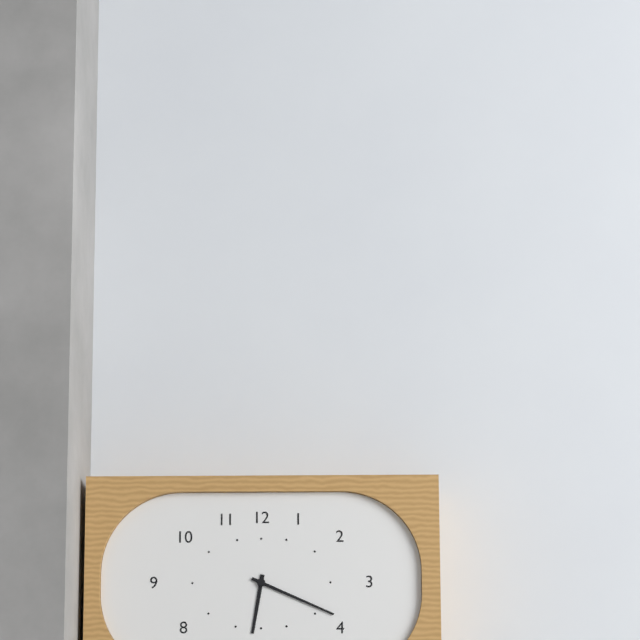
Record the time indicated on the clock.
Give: 6:19
